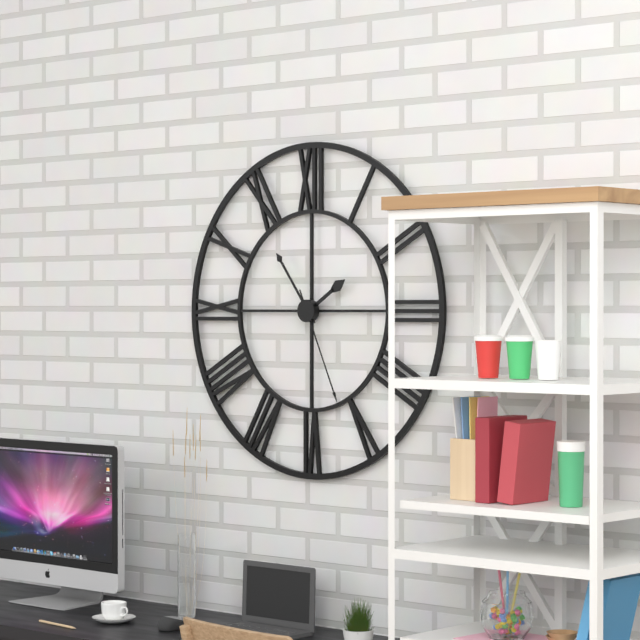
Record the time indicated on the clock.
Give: 1:54:26
